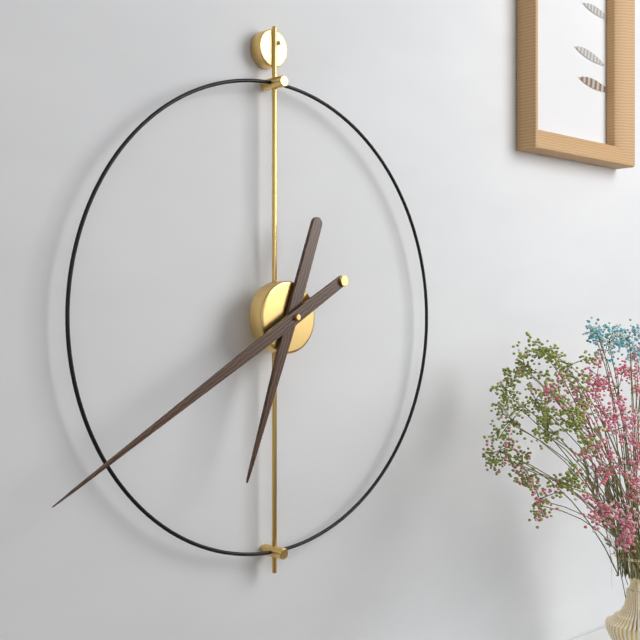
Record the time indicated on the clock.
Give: 6:40
